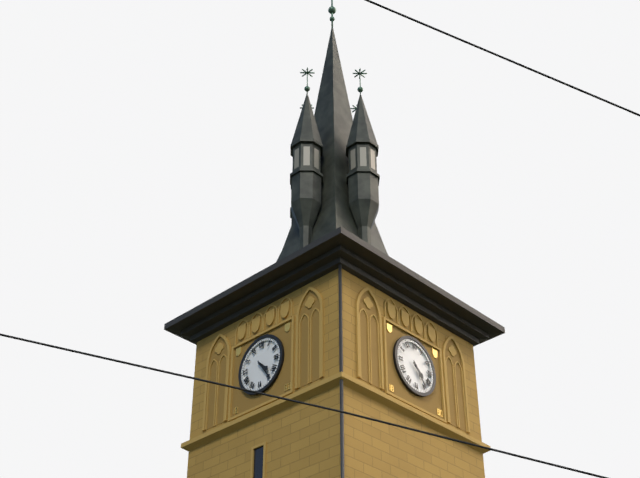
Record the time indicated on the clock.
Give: 4:24
